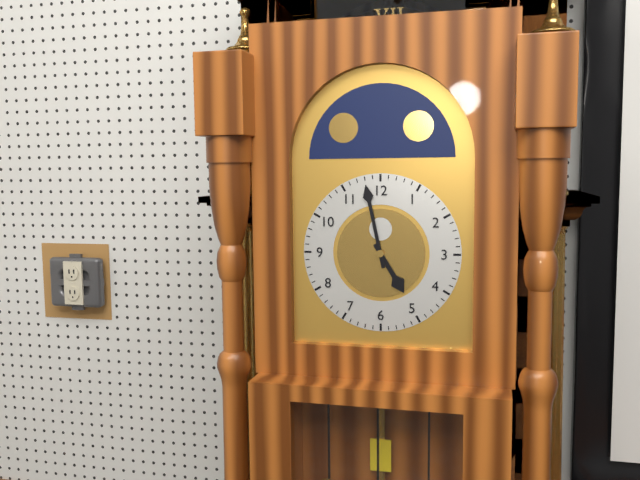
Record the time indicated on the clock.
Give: 4:58
